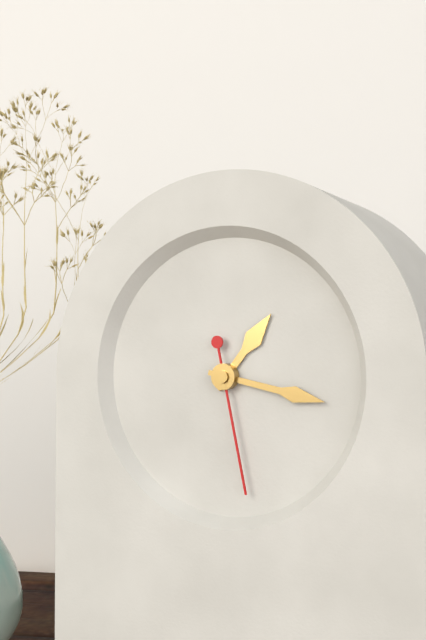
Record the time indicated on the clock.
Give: 1:17:28
